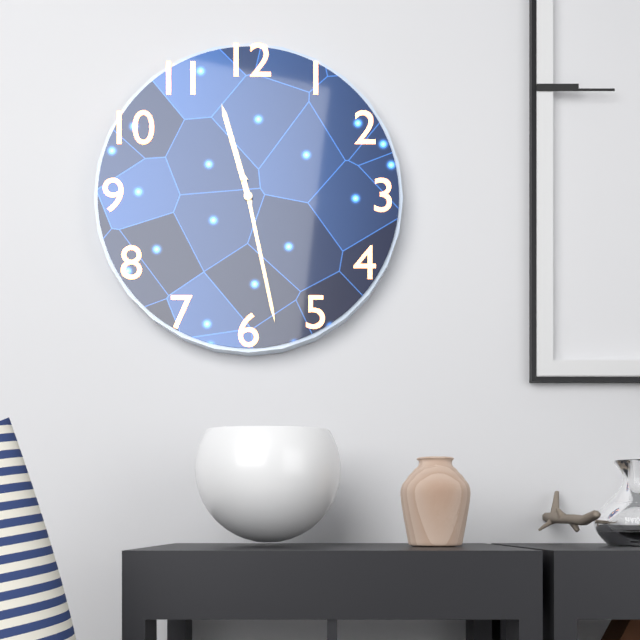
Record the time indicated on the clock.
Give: 11:28
